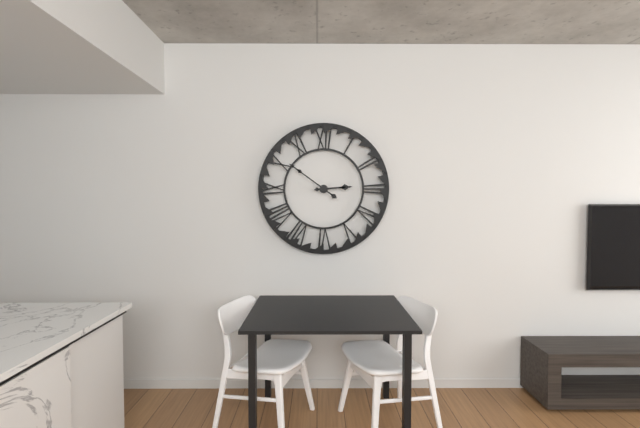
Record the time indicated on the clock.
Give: 2:51
